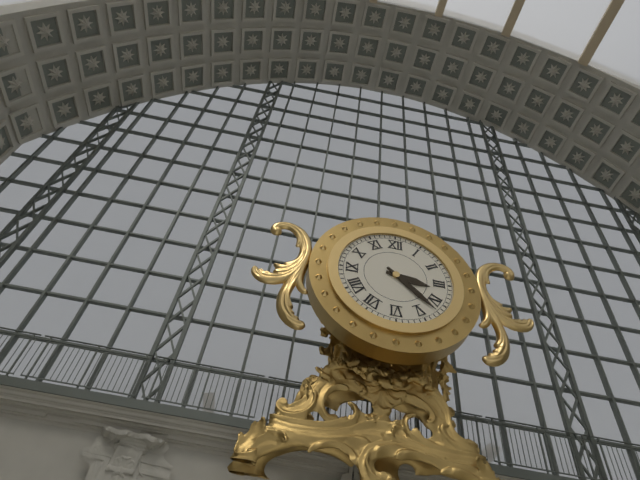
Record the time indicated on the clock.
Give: 3:22
